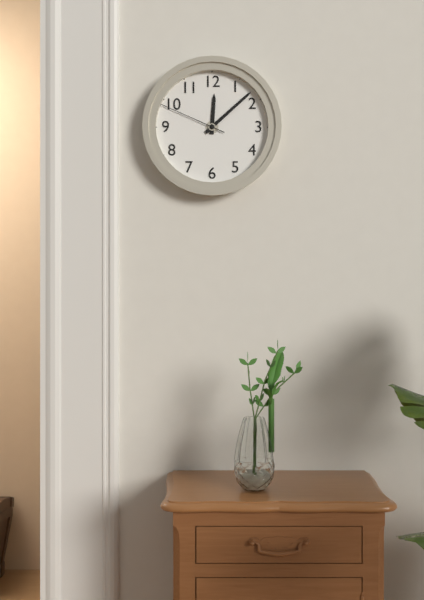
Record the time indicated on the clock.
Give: 12:08:49
